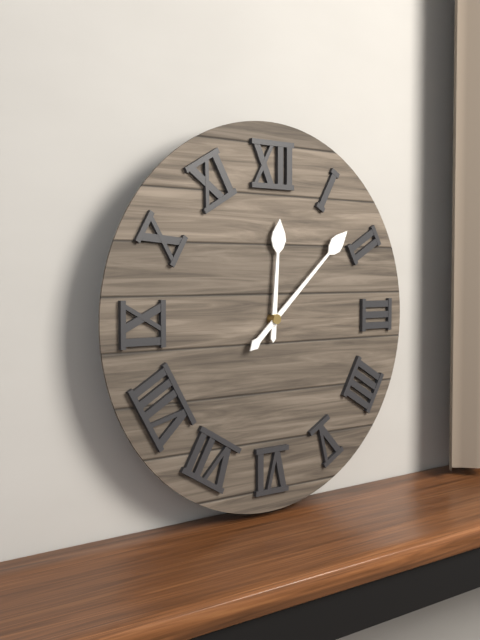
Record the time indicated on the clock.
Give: 12:08
